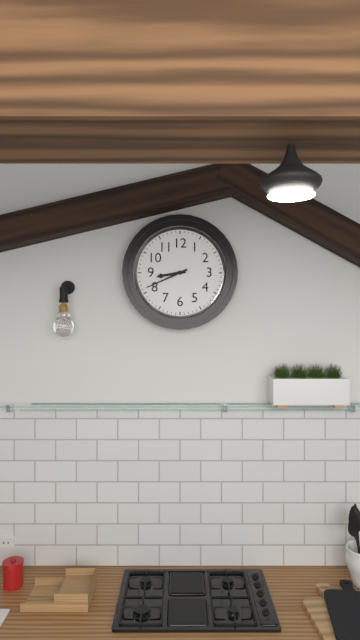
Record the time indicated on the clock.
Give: 8:41
